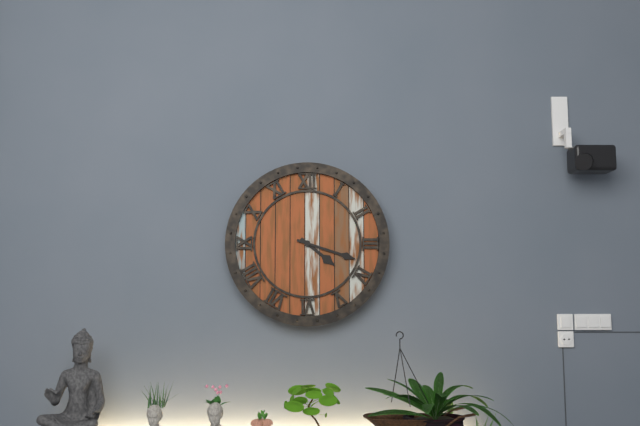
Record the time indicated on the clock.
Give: 4:18
